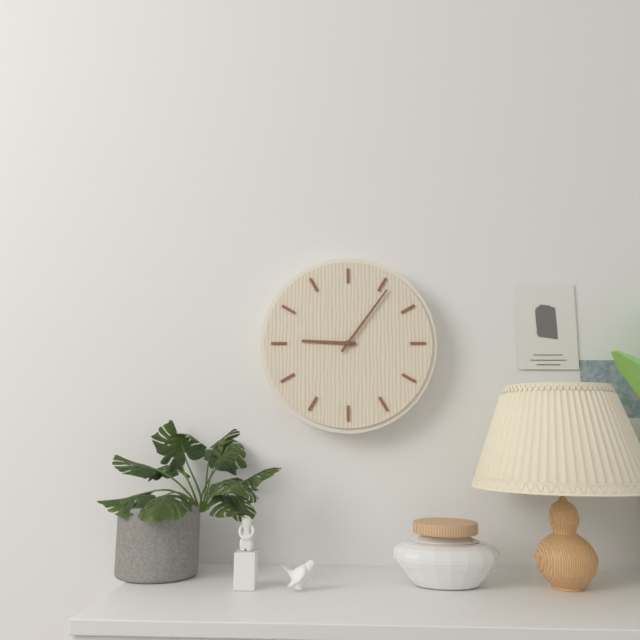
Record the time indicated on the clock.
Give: 9:06
